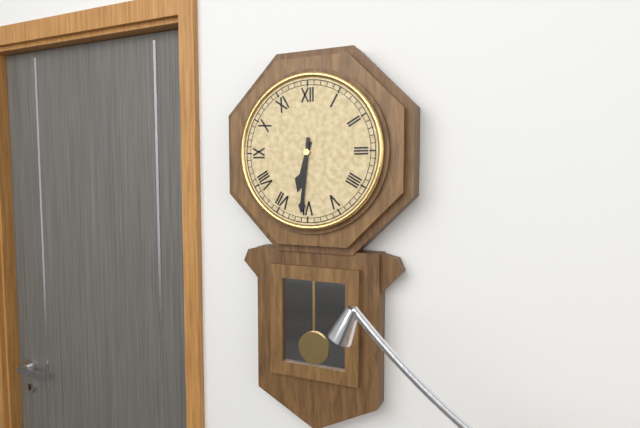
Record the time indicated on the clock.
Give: 6:31
